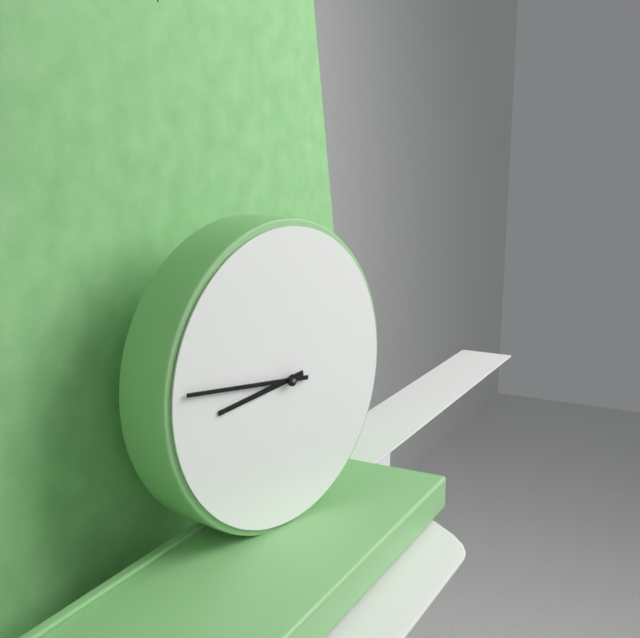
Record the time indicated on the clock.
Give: 8:46
